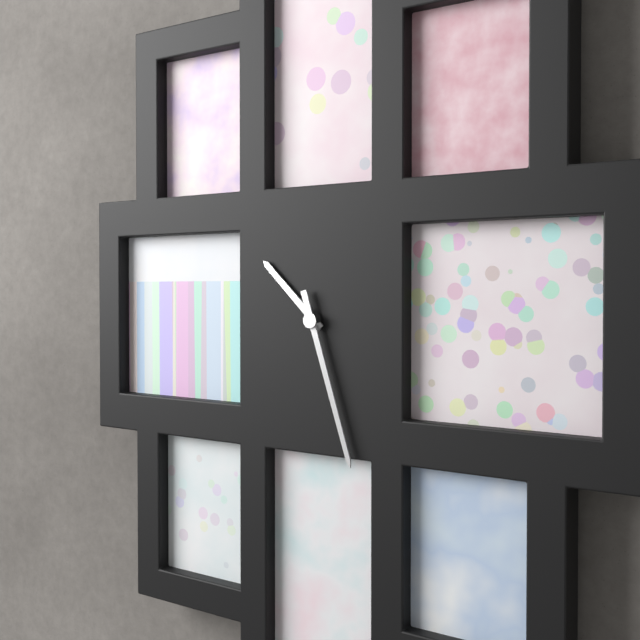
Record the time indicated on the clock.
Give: 10:27
